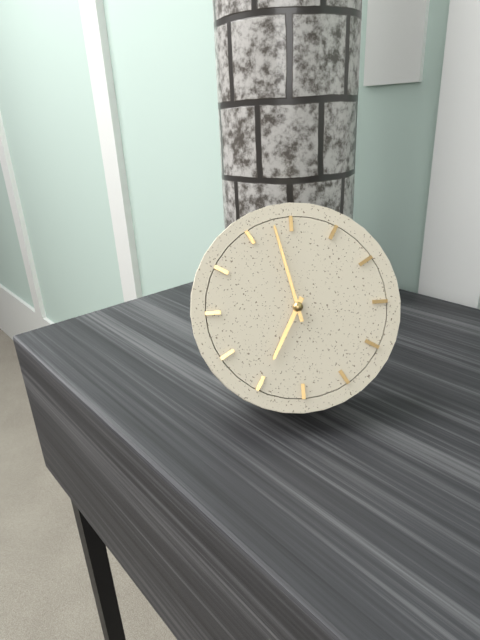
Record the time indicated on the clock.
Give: 6:58
